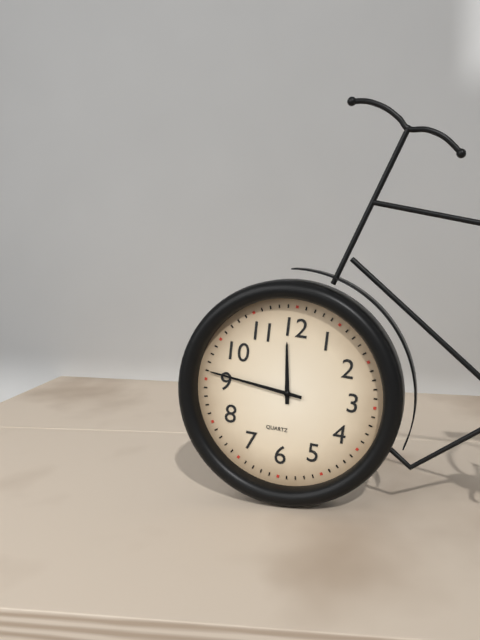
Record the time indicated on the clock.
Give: 11:46
